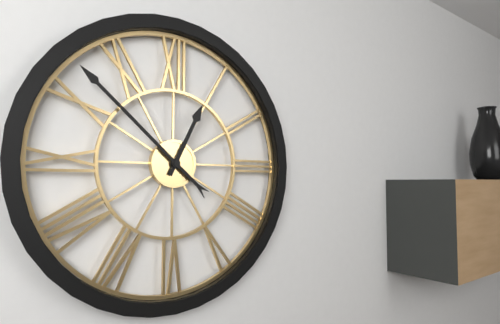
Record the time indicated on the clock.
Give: 12:52
